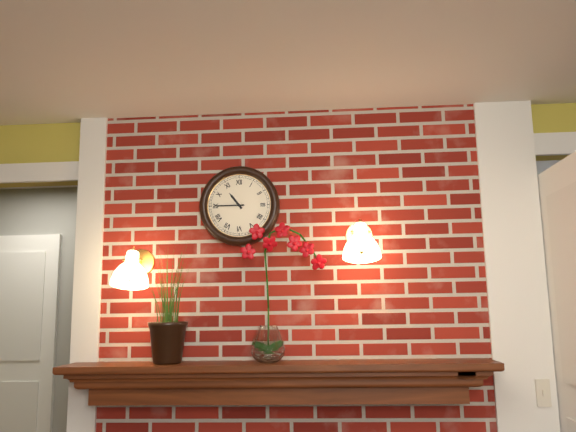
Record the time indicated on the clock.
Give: 10:45
